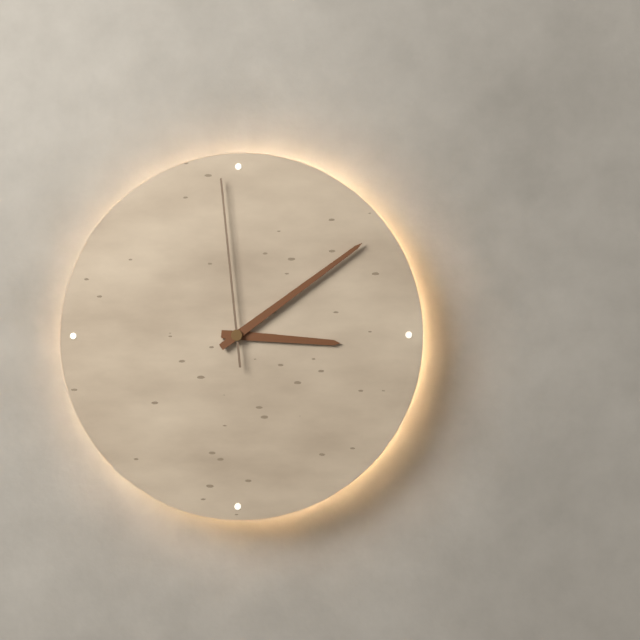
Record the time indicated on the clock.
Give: 3:09:59
